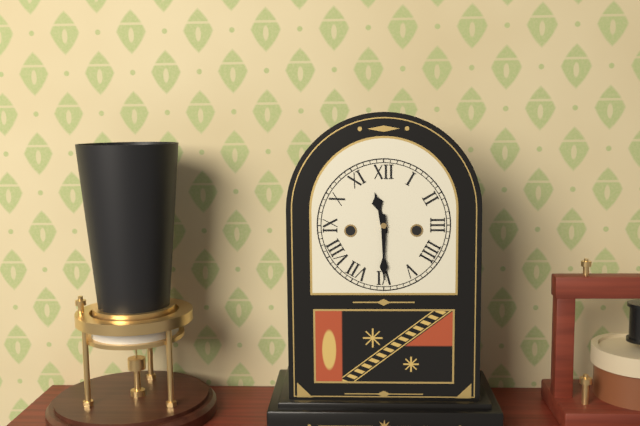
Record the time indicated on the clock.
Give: 11:30
